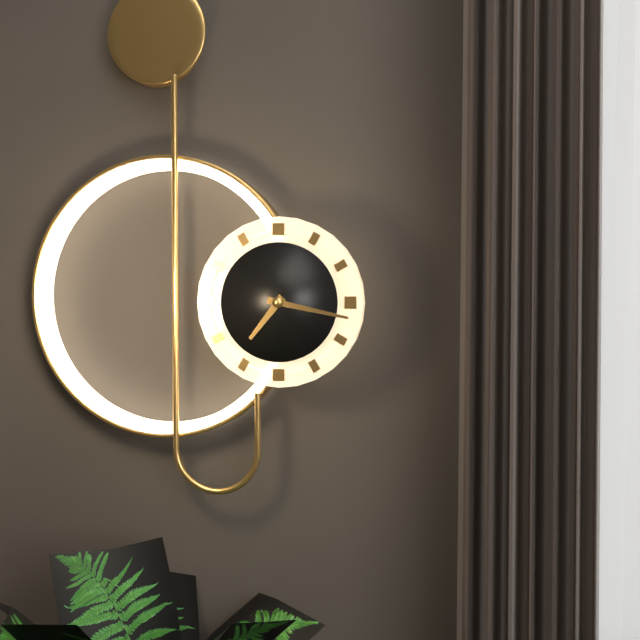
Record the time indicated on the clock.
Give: 7:17
